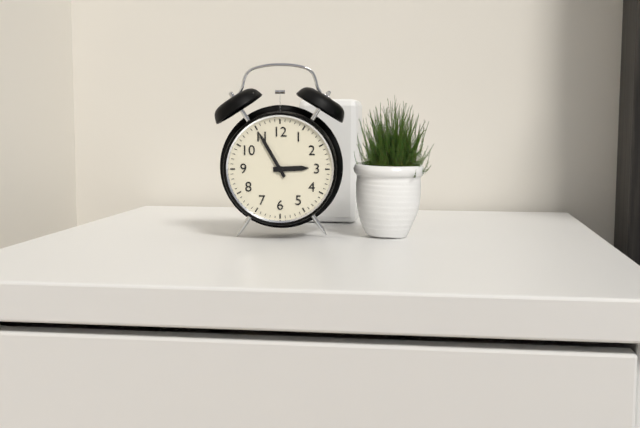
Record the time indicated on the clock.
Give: 2:55
